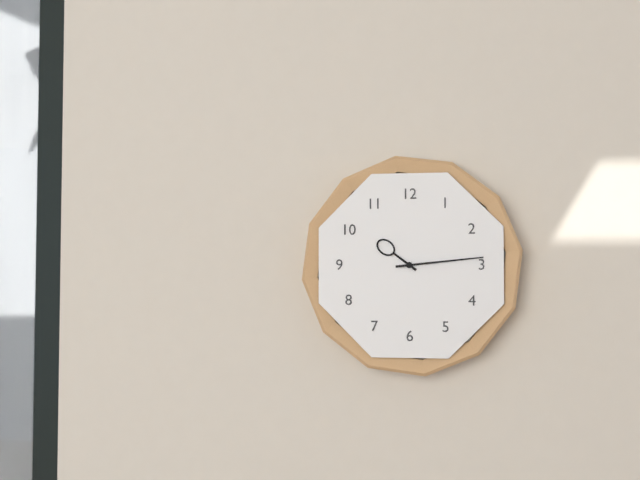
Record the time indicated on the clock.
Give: 10:14
